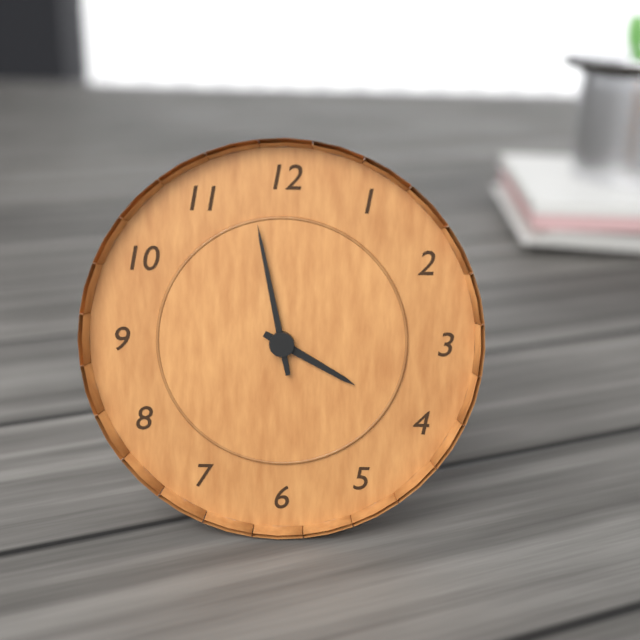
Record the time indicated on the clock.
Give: 3:58
